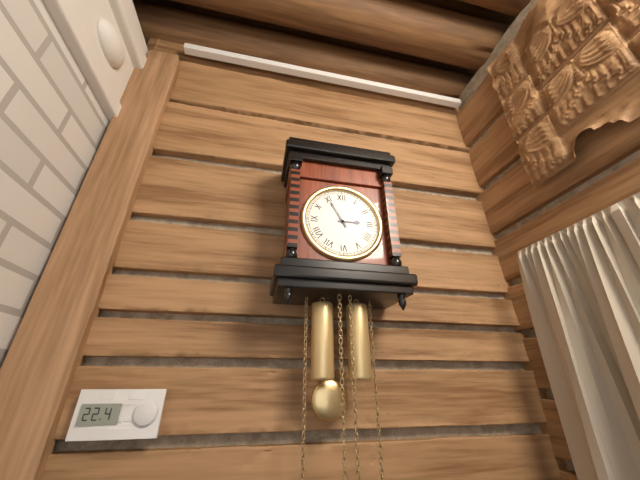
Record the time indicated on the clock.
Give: 2:55
